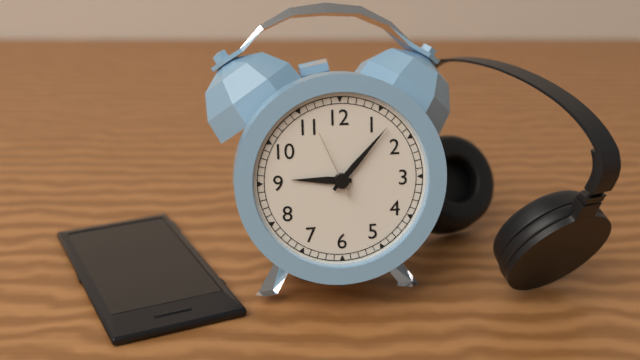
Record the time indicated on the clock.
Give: 9:07:56
